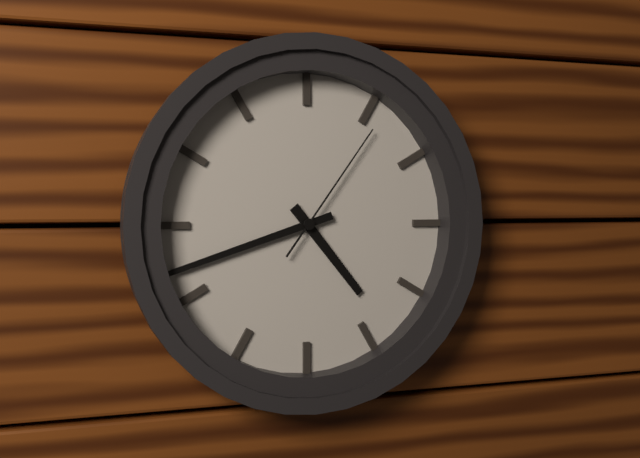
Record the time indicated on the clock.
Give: 4:42:06
